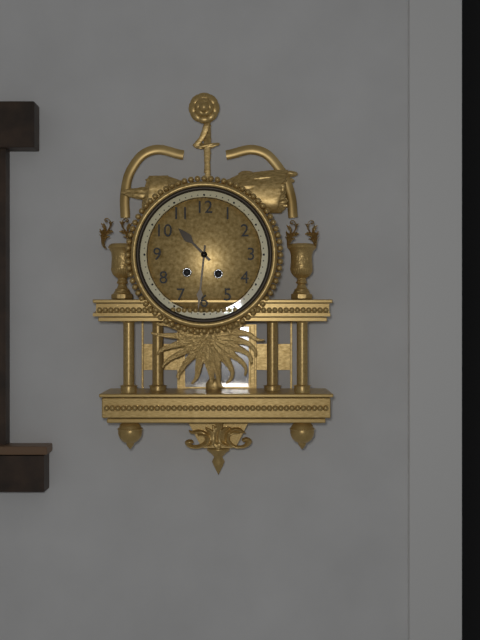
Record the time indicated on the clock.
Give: 10:31
